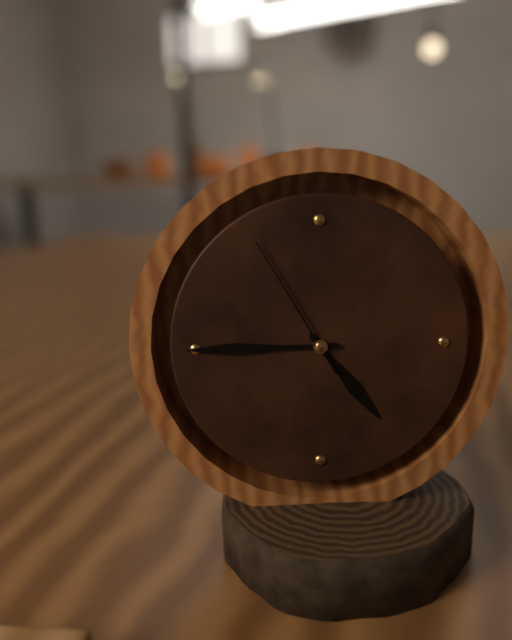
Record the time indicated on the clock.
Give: 4:45:55
